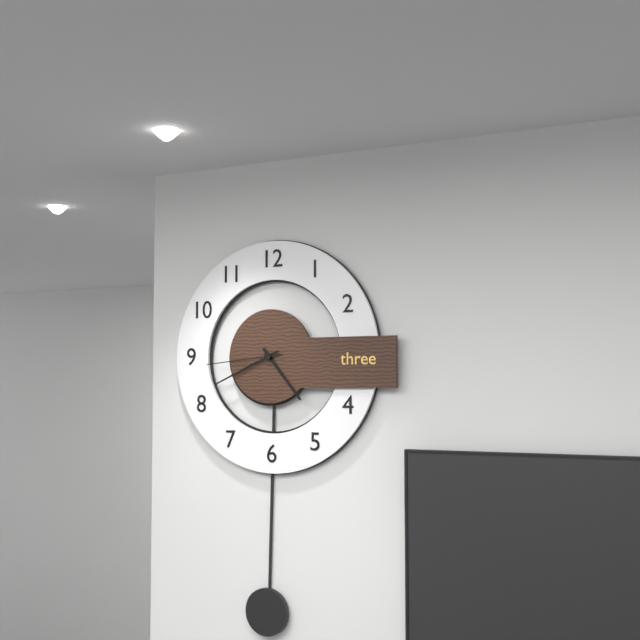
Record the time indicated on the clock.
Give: 4:41:44
